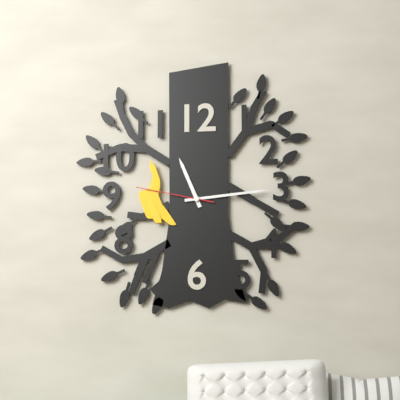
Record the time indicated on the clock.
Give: 11:14:47
